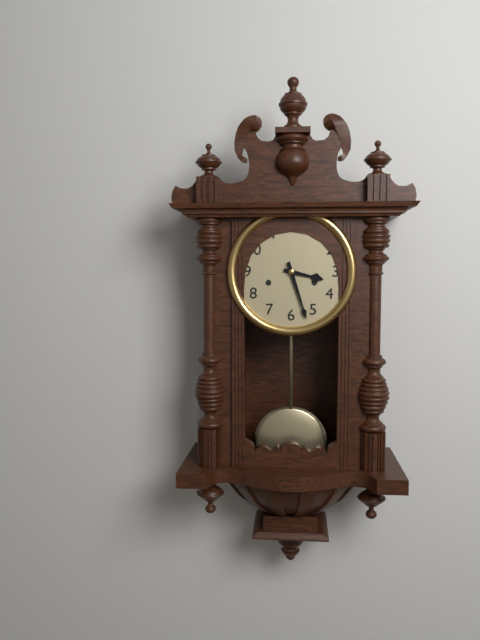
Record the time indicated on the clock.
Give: 3:27
